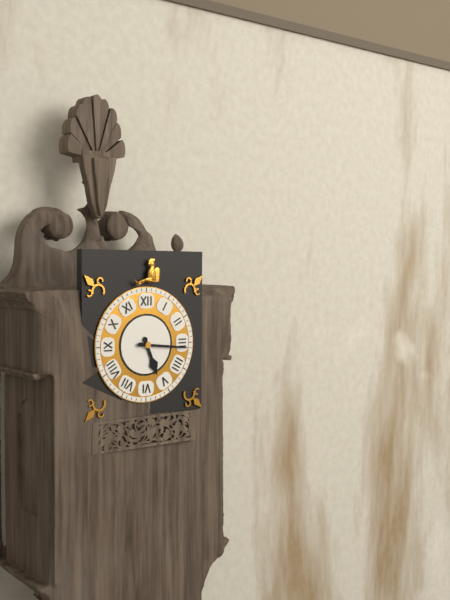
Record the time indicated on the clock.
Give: 5:16
